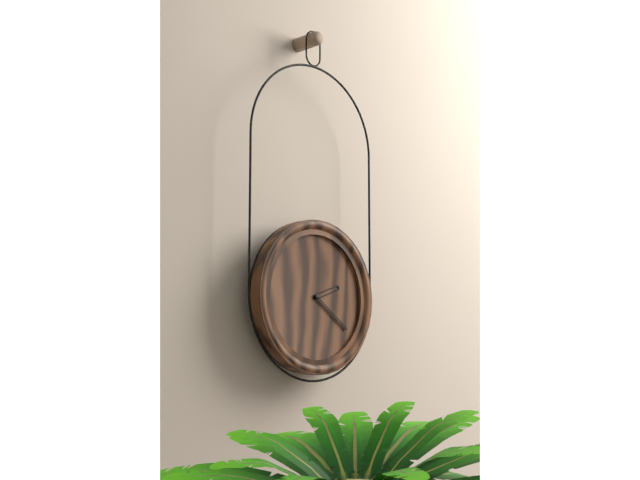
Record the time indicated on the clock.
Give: 2:21
